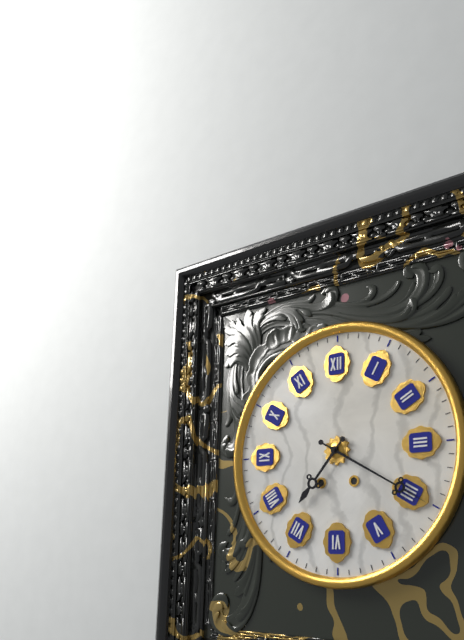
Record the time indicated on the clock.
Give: 7:20
